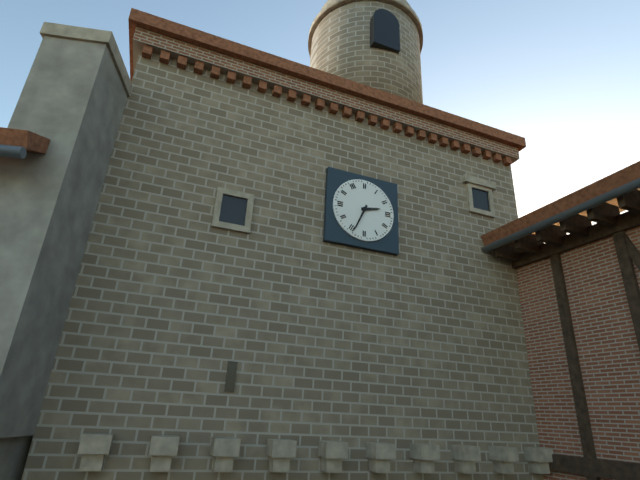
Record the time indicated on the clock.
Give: 2:34
